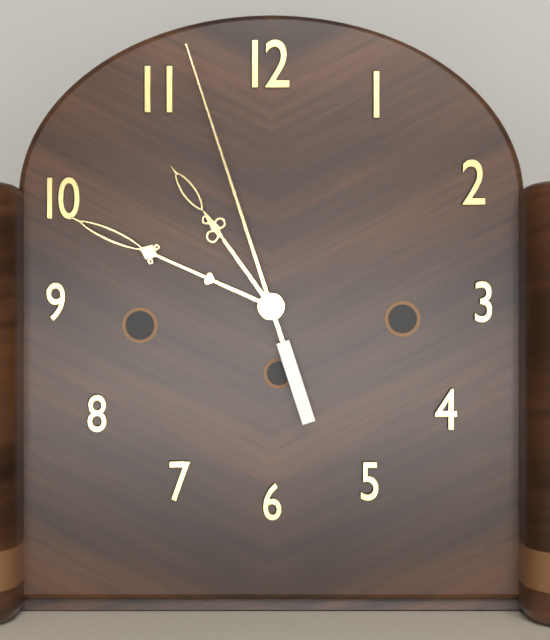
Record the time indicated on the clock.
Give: 10:49:57
